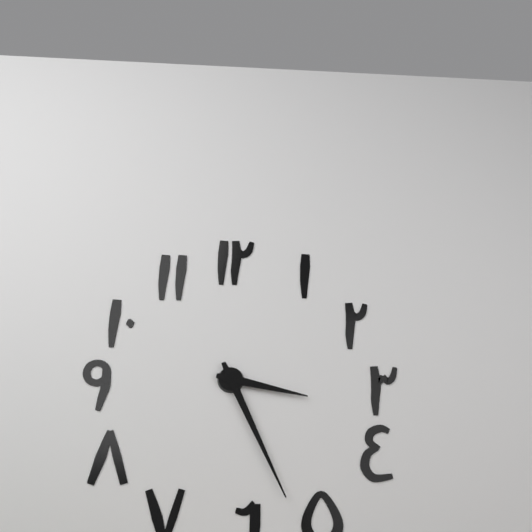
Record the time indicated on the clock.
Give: 3:26
